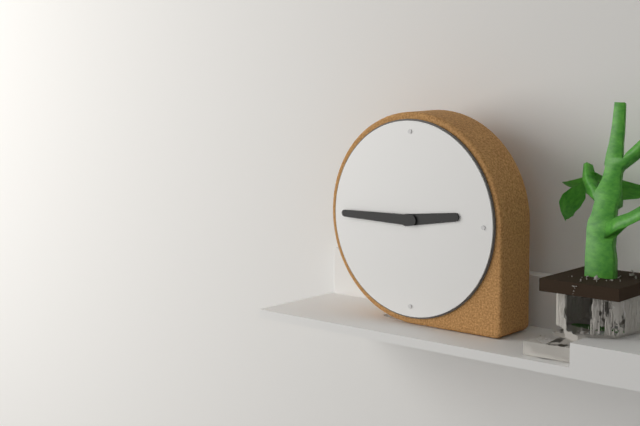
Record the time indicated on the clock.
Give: 2:45
